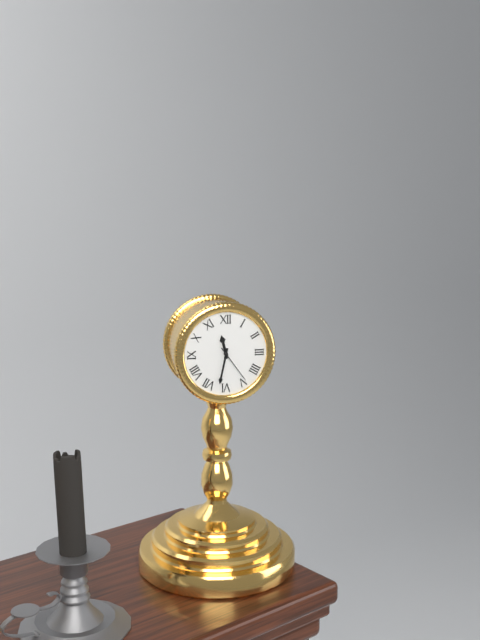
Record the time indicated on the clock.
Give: 11:32:24
